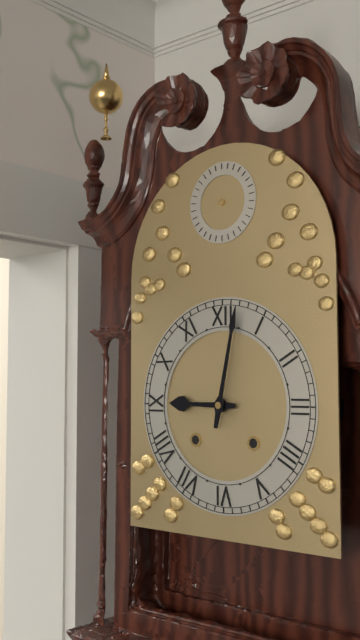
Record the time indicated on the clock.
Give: 9:02
